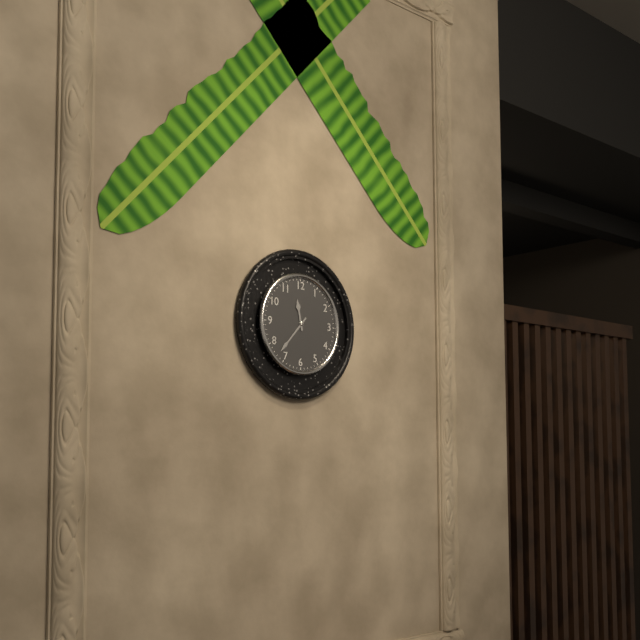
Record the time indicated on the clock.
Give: 11:37
